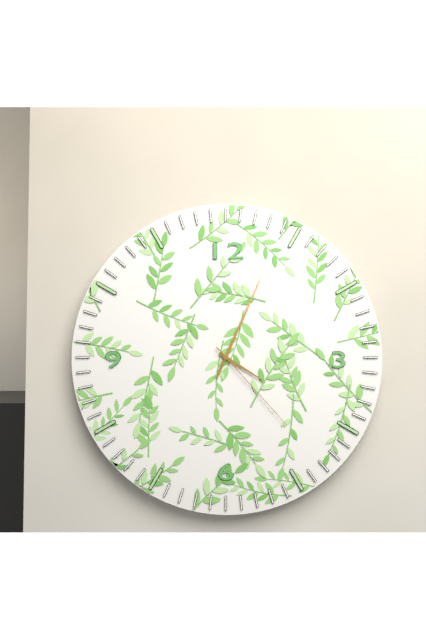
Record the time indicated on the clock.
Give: 4:04:23
